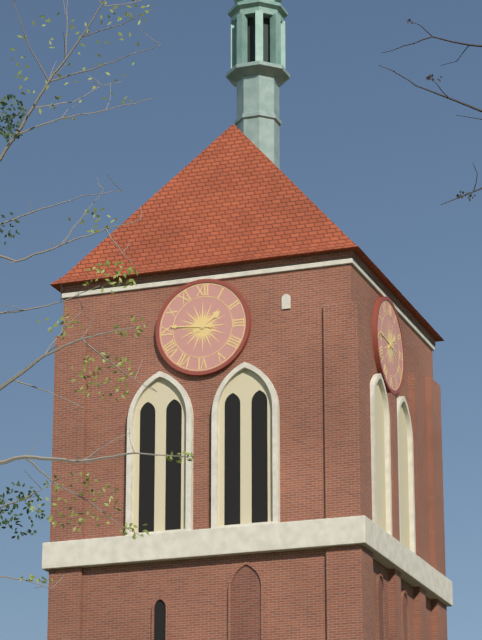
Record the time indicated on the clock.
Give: 1:46
